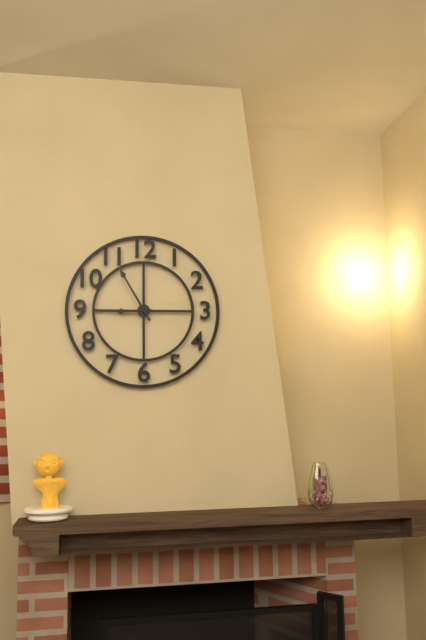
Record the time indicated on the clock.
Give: 8:55
